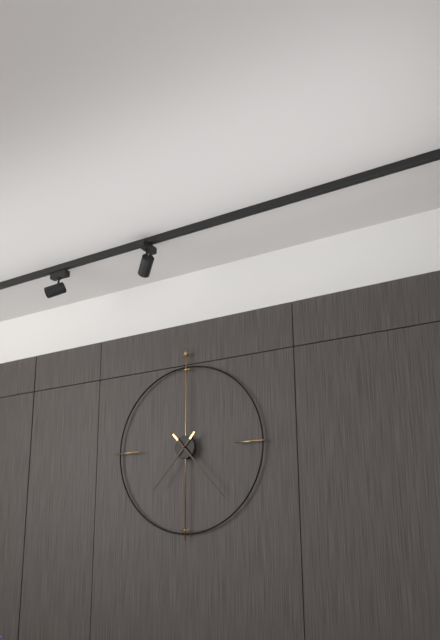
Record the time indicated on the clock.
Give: 7:23
